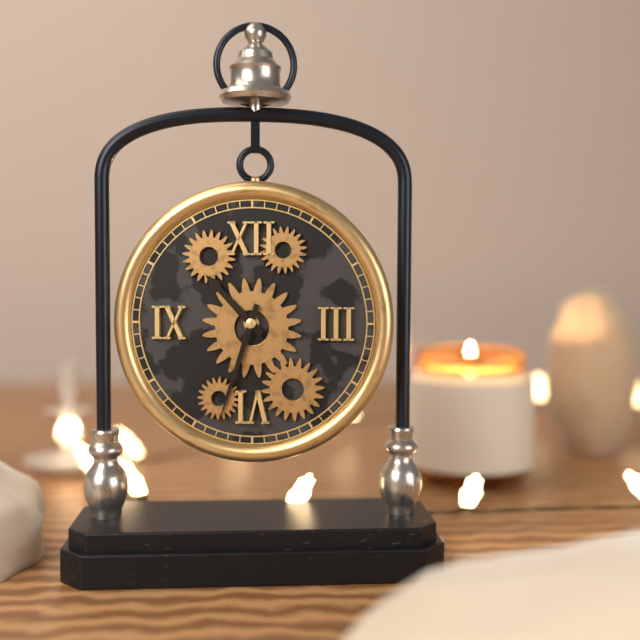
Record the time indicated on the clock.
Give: 10:33
